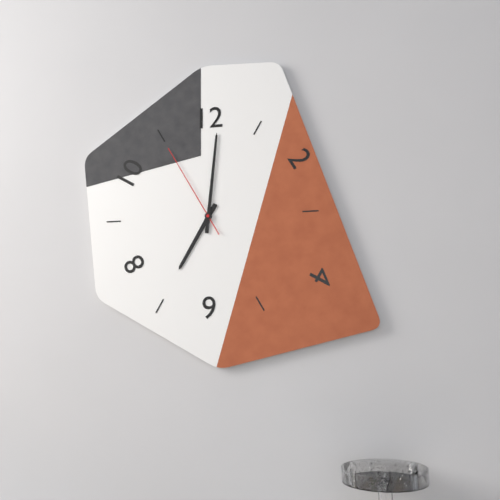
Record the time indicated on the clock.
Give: 7:01:55
